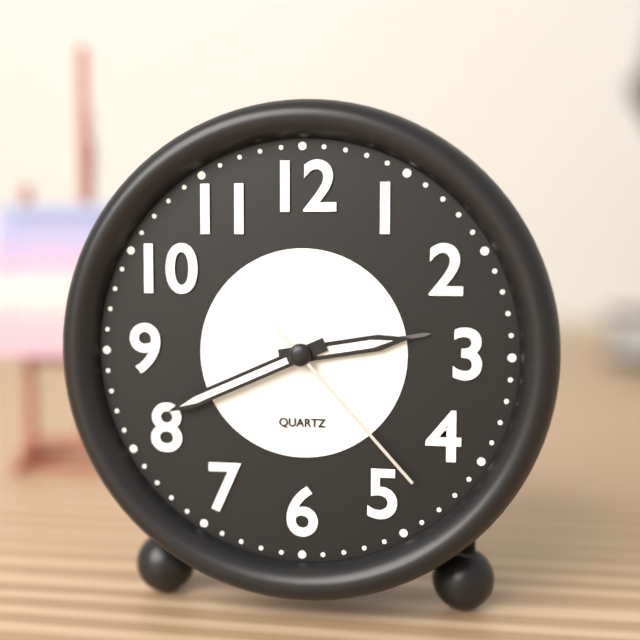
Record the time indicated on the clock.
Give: 2:41:23
